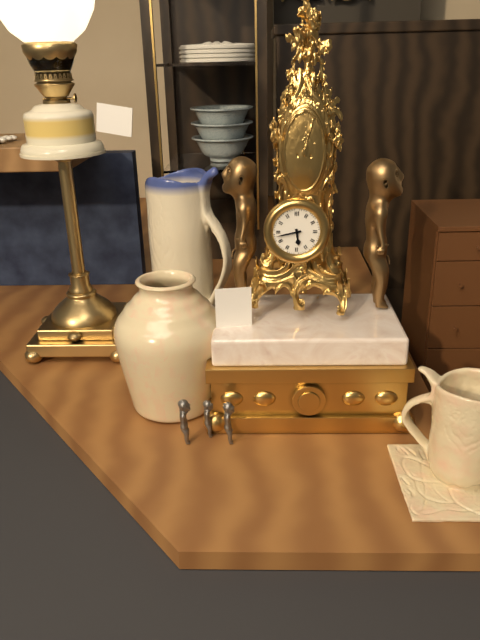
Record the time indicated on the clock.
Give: 5:43
